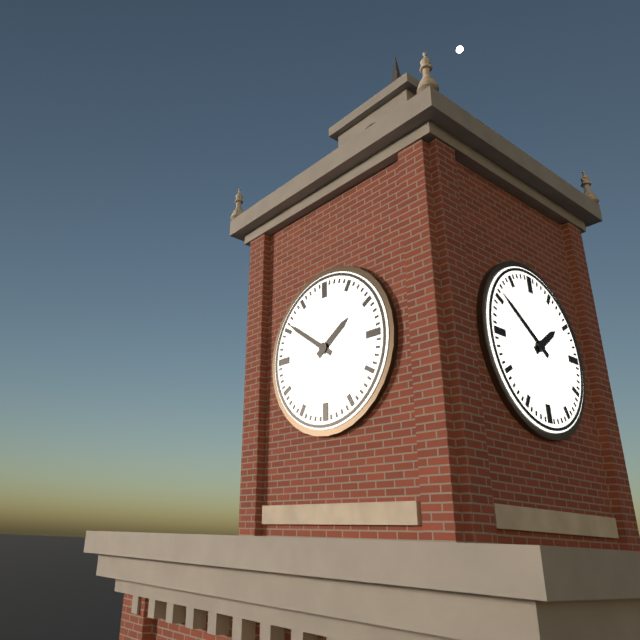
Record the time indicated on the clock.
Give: 1:51
